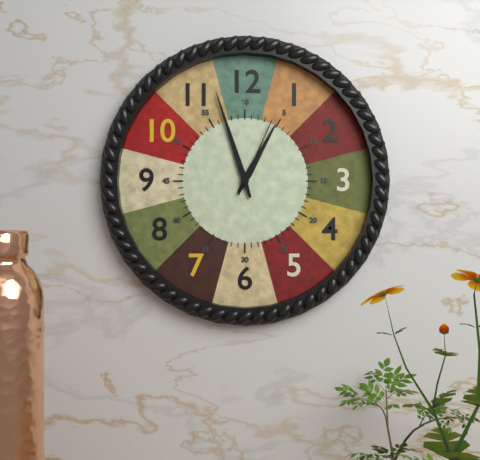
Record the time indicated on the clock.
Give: 12:57:04
